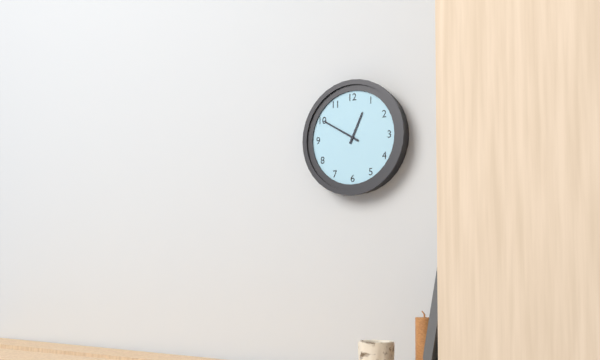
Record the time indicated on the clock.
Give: 12:50
